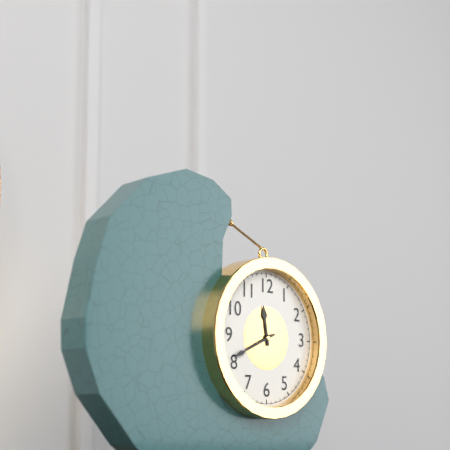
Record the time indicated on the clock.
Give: 11:41
